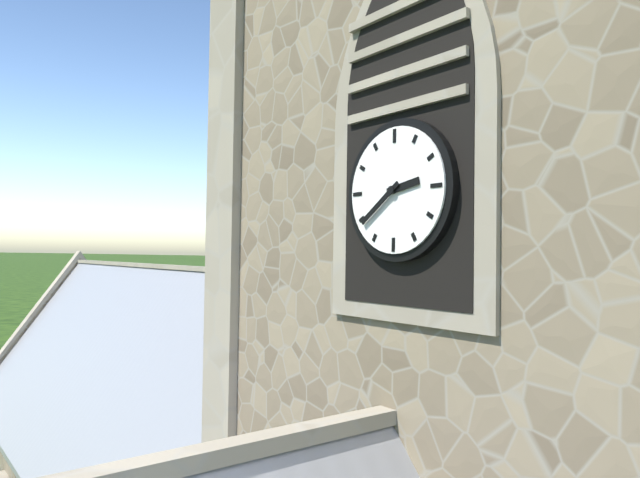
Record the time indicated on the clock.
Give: 2:39
